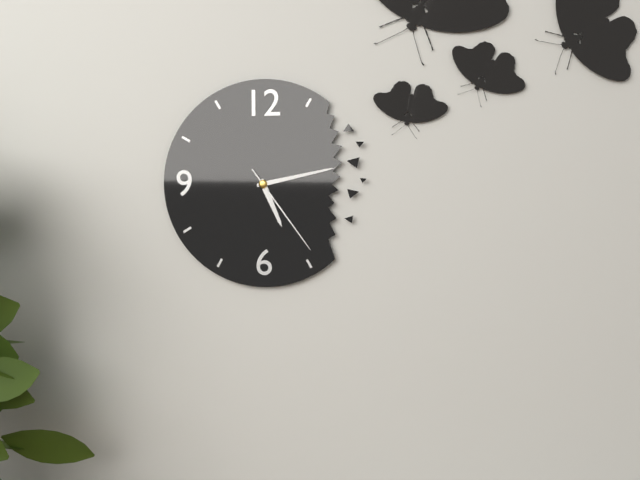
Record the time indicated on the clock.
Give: 5:13:24
